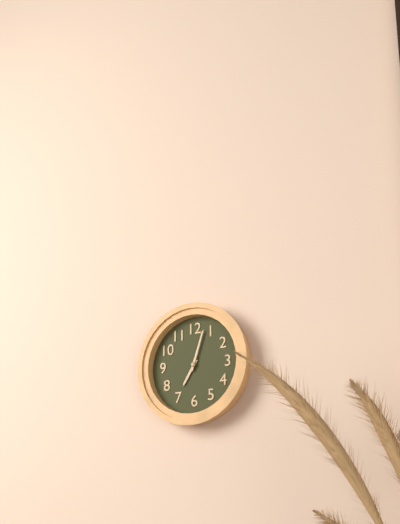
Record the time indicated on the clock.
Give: 7:03
